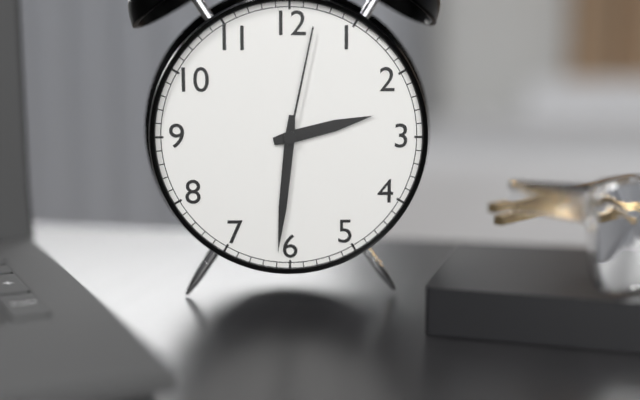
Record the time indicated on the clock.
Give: 2:31:02
